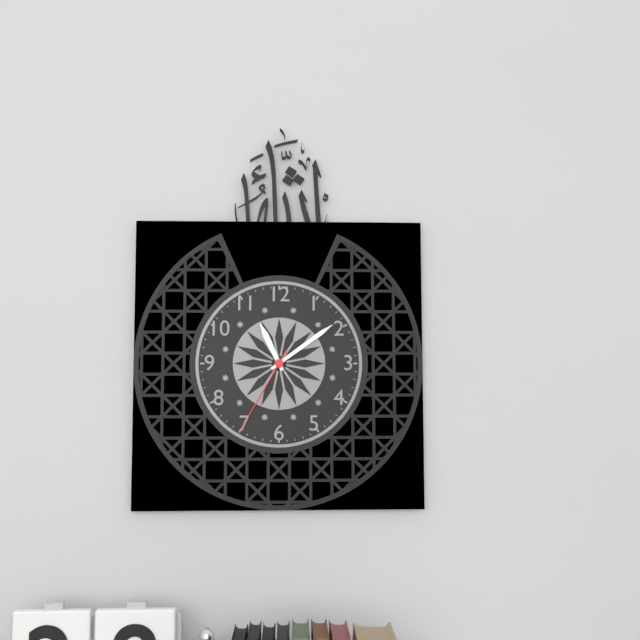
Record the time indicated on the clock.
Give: 11:09:35
